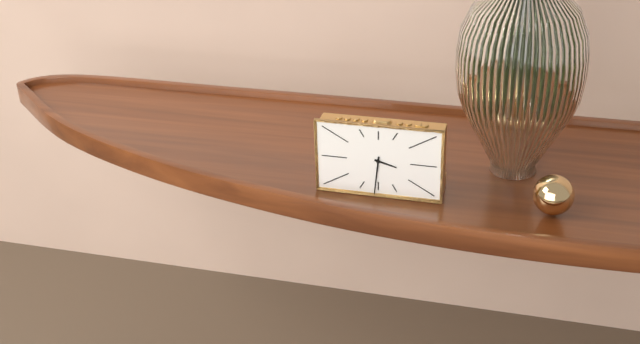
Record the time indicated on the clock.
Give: 3:31
